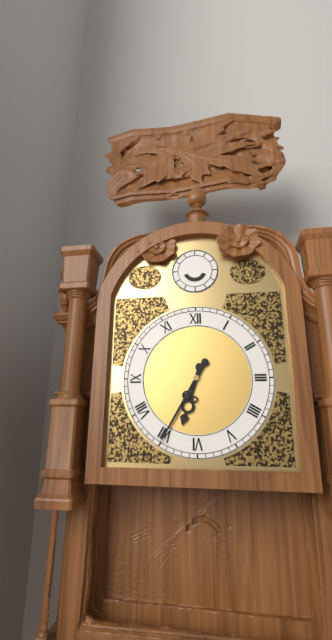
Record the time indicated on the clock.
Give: 6:35
